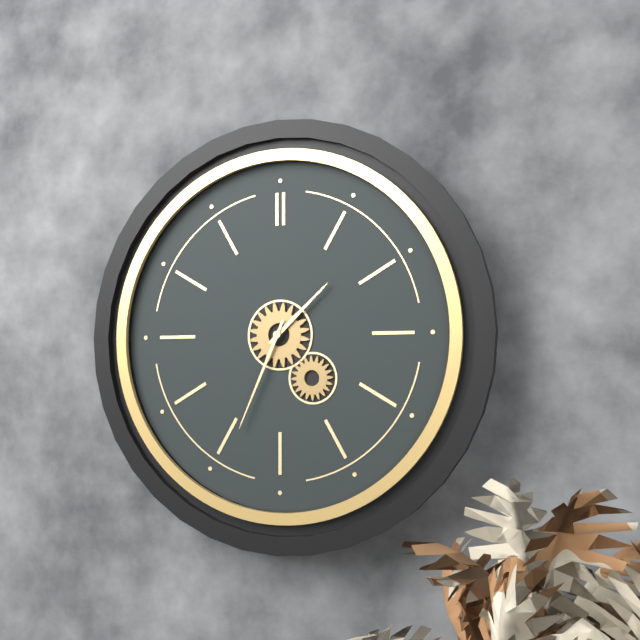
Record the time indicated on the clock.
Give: 1:34
